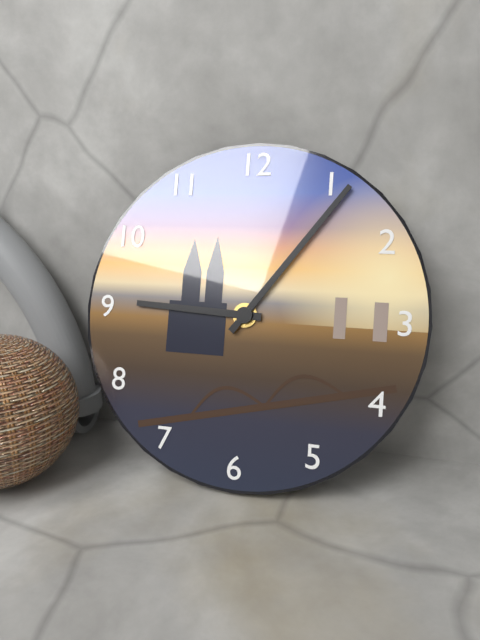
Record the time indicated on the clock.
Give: 9:06
